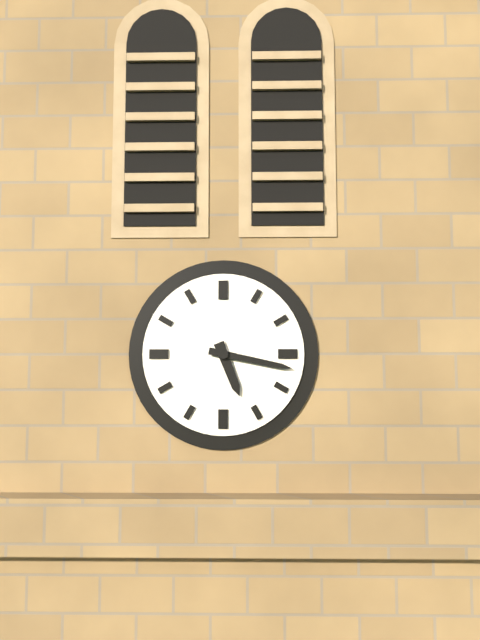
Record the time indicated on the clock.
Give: 5:17
